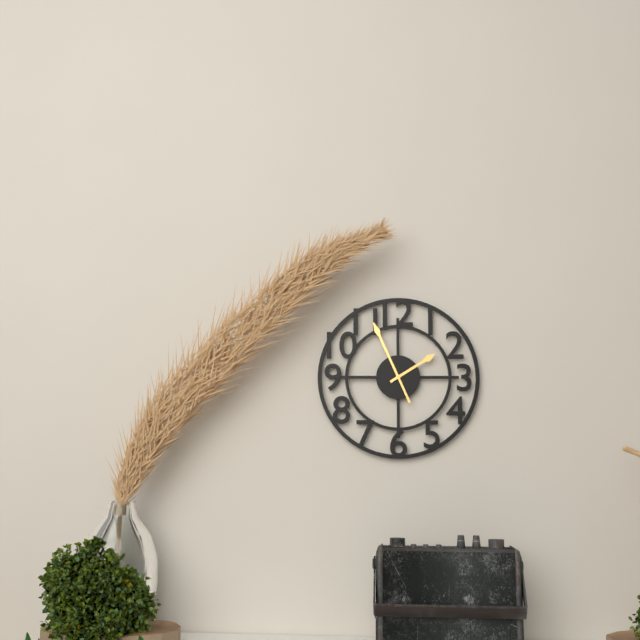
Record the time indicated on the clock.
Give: 1:56
